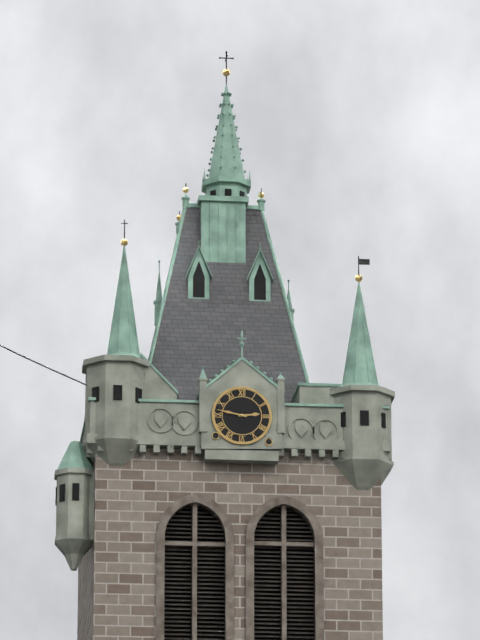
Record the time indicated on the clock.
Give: 2:47
